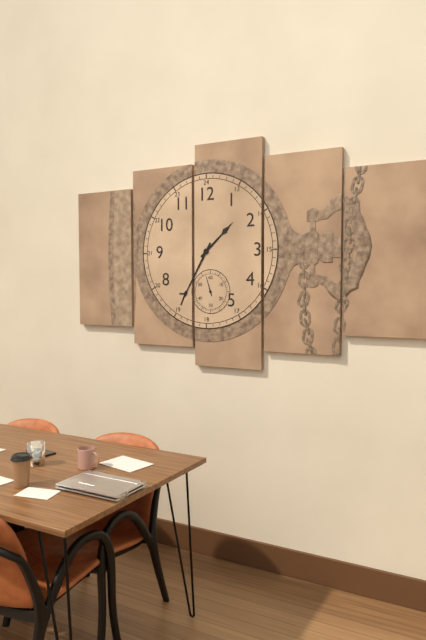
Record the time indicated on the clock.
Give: 1:35
